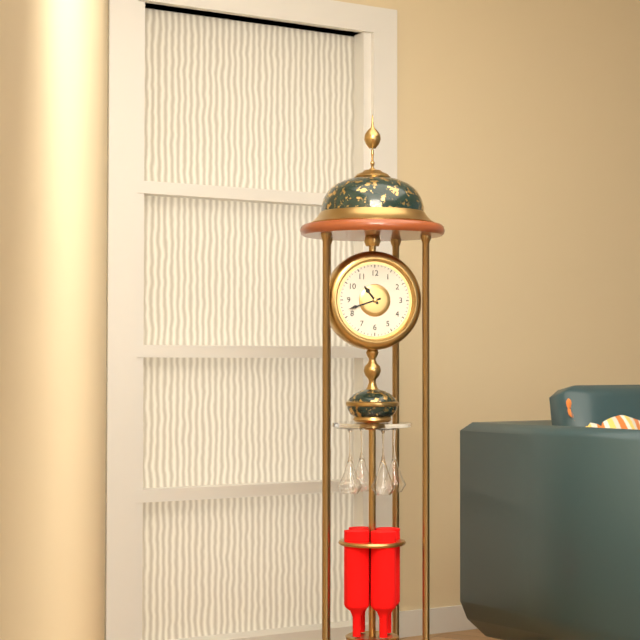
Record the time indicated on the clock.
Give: 10:42
